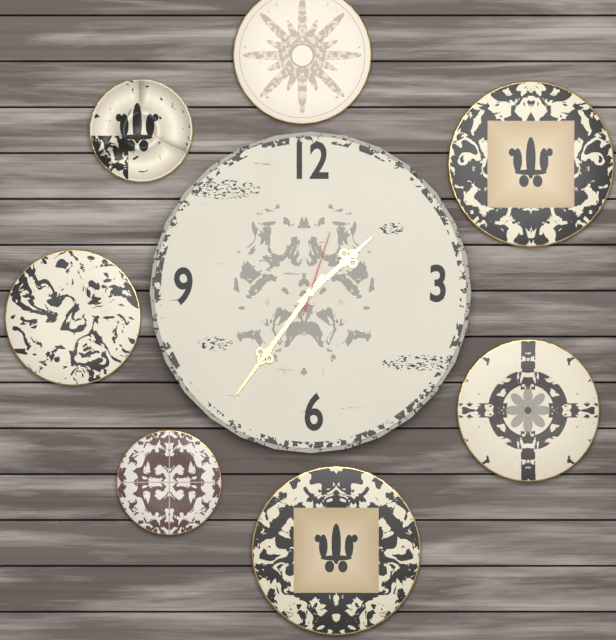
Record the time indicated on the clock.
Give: 1:36:03
